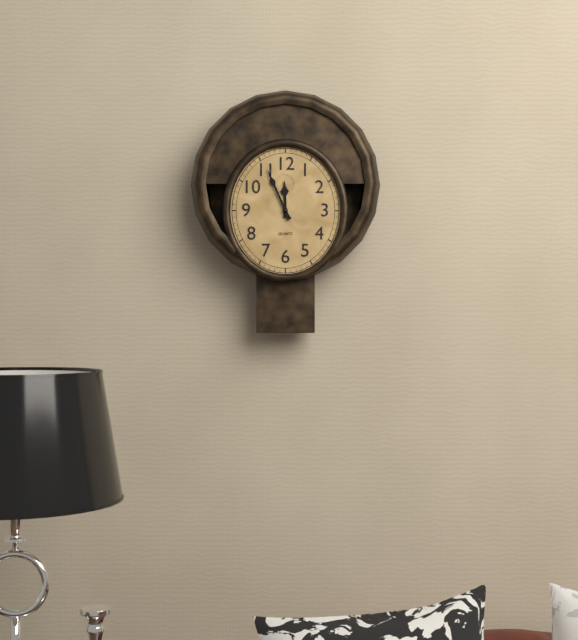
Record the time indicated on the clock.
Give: 11:56
